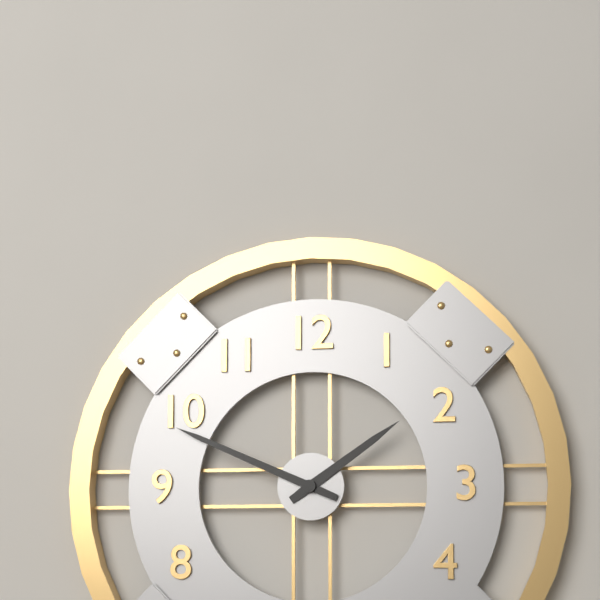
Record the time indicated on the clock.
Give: 1:49
